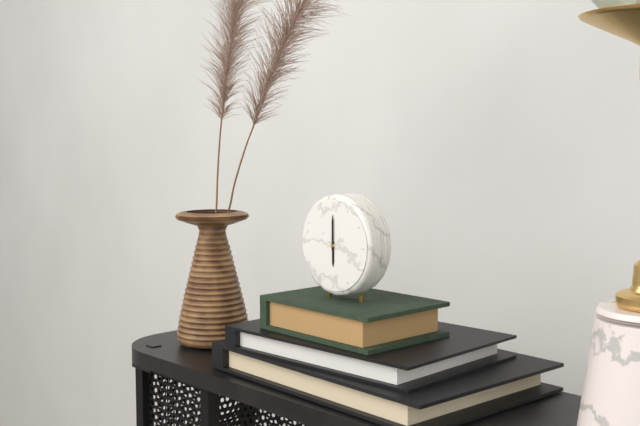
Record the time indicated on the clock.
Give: 6:00
